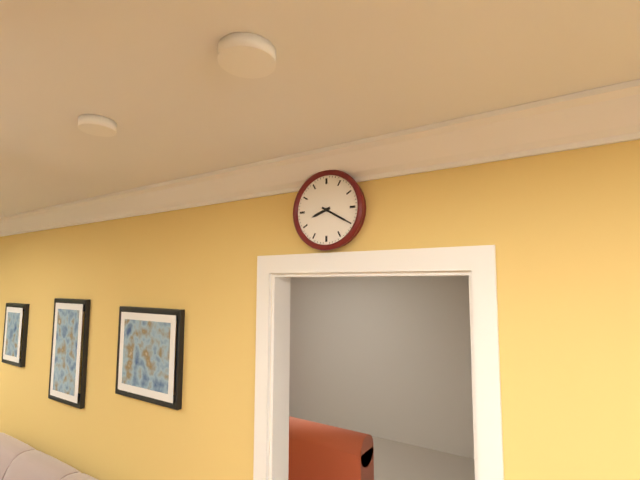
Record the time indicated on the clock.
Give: 8:20
